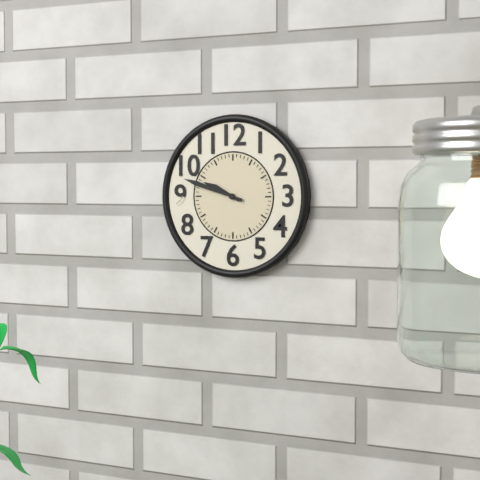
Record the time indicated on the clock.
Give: 9:48
